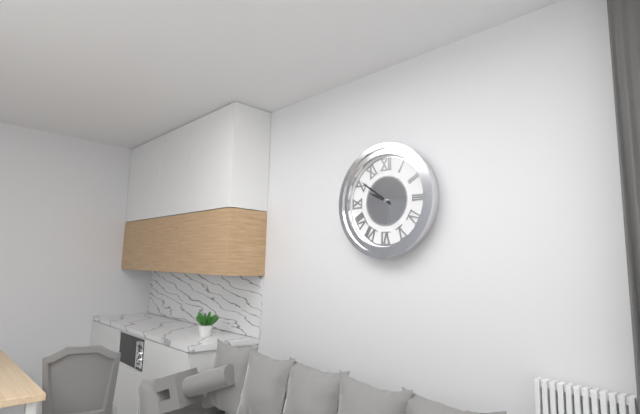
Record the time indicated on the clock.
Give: 9:51
